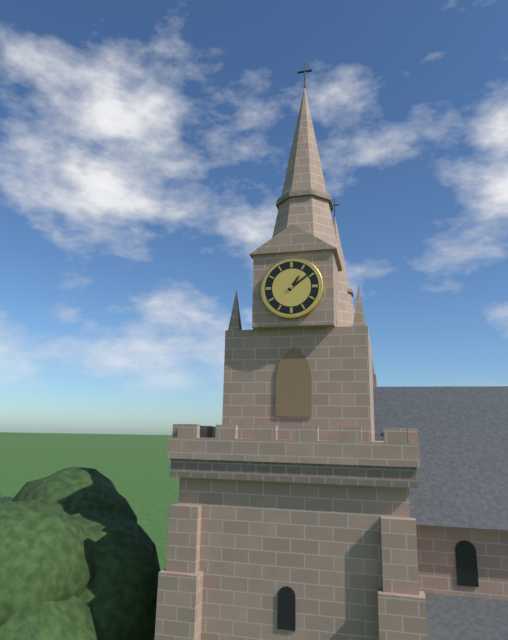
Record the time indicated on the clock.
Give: 1:09
